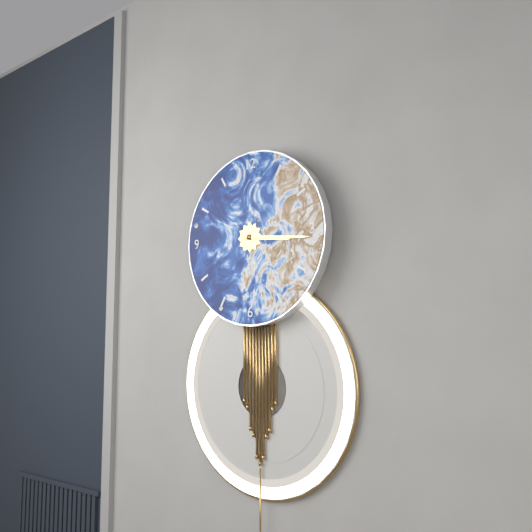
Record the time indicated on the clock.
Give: 3:16
